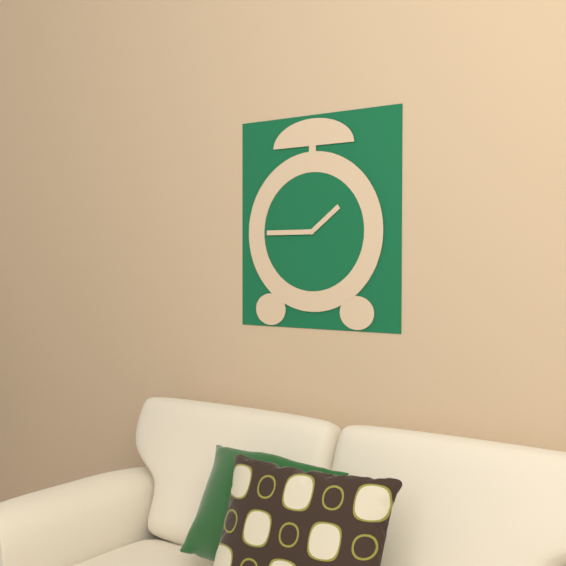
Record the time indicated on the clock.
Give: 1:45
